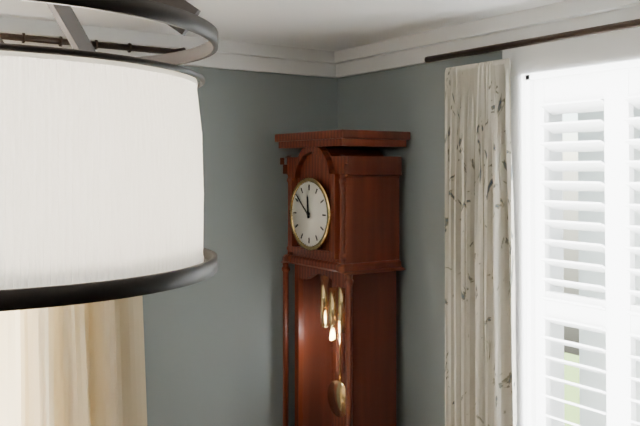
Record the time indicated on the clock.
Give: 11:52
